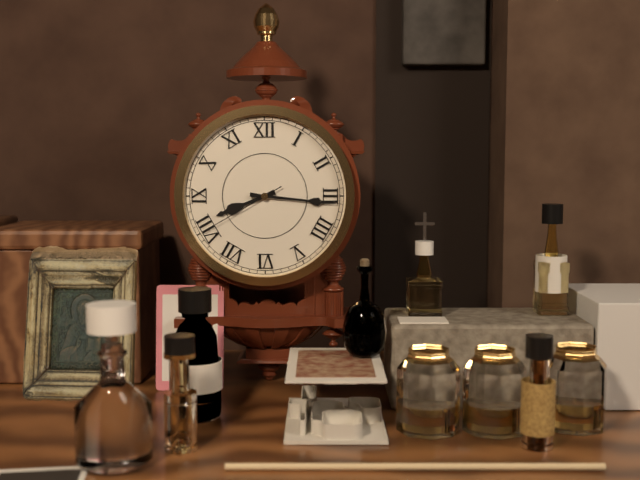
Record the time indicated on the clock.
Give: 8:16:40
